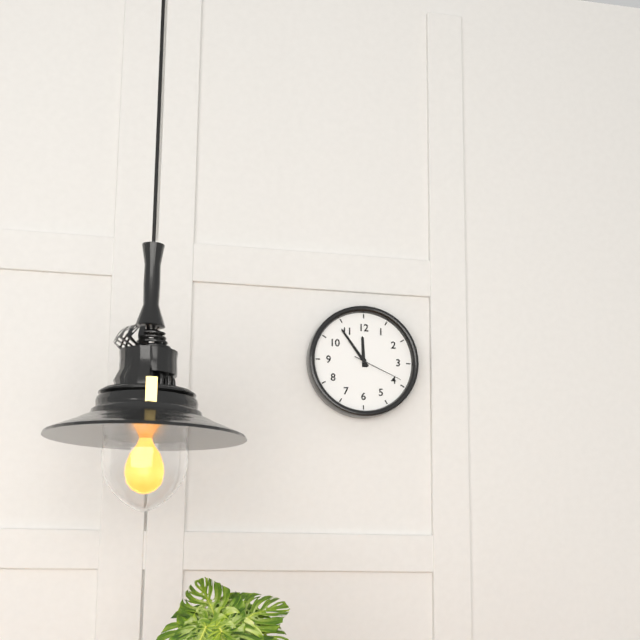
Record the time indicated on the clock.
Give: 11:54:19
